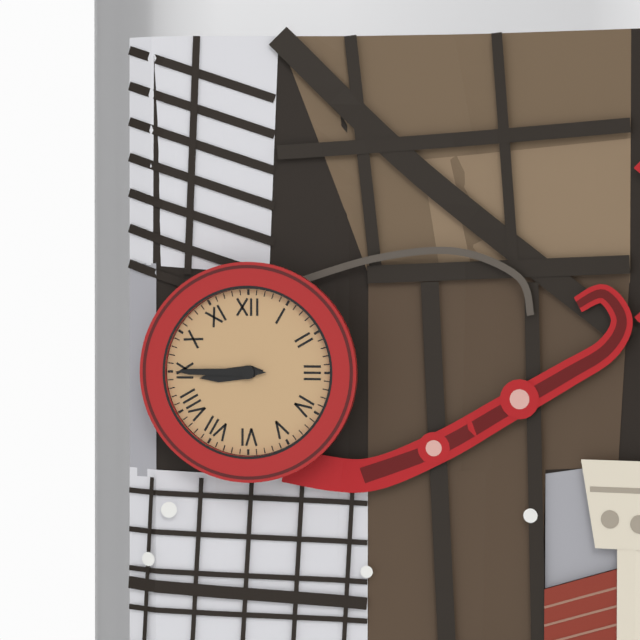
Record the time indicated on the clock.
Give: 8:45
